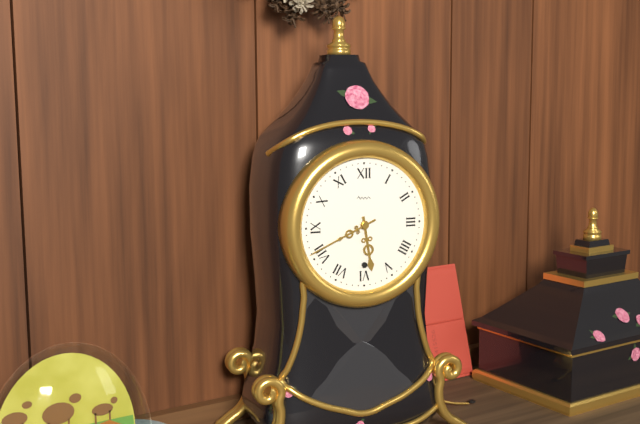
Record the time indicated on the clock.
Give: 5:41
